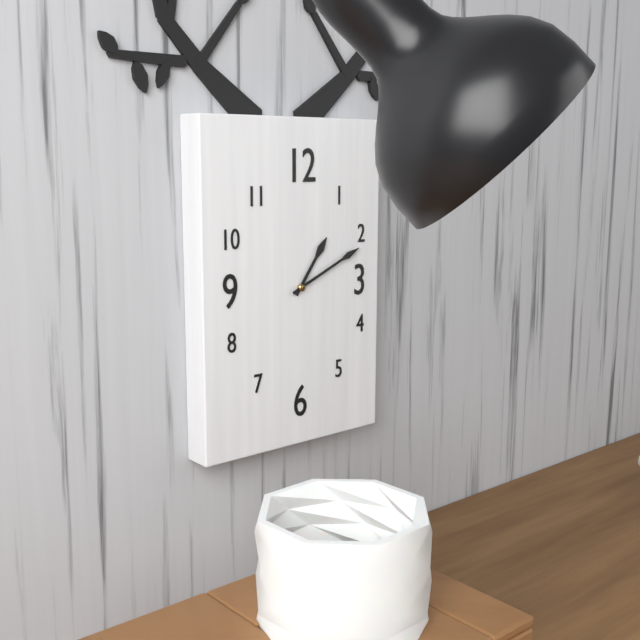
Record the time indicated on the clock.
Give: 1:11
